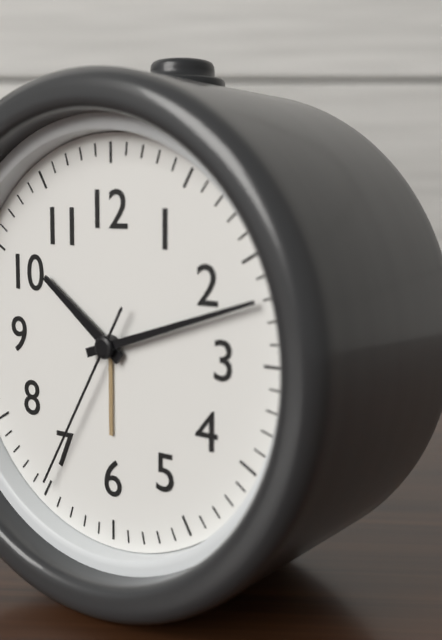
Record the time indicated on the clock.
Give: 10:12:35
